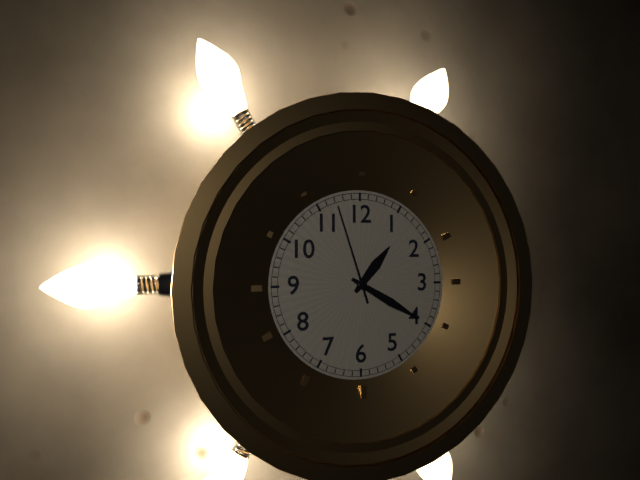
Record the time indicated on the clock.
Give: 1:20:57
